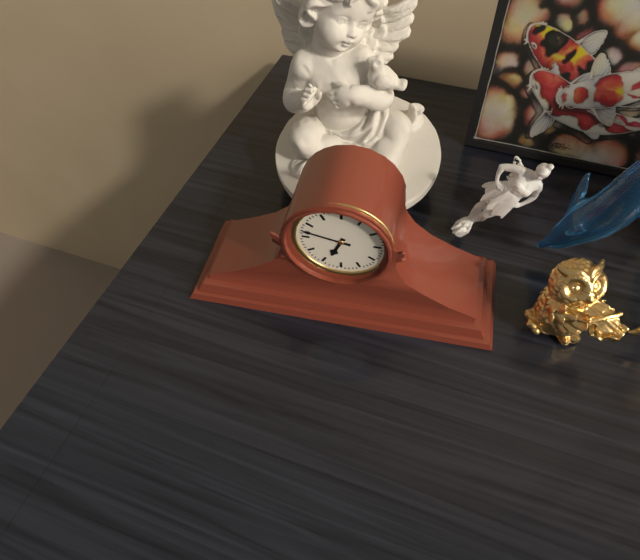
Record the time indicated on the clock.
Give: 6:47
